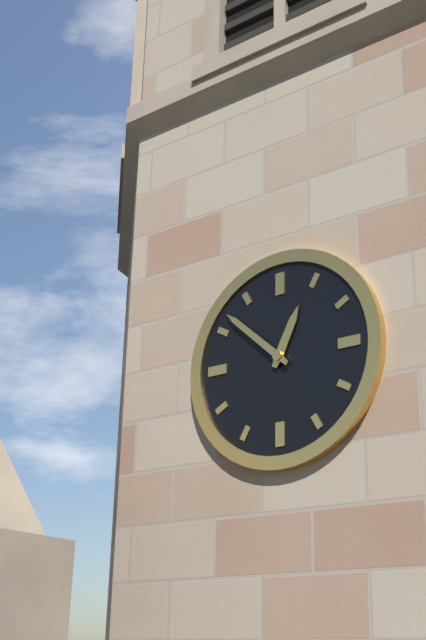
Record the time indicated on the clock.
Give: 12:52
